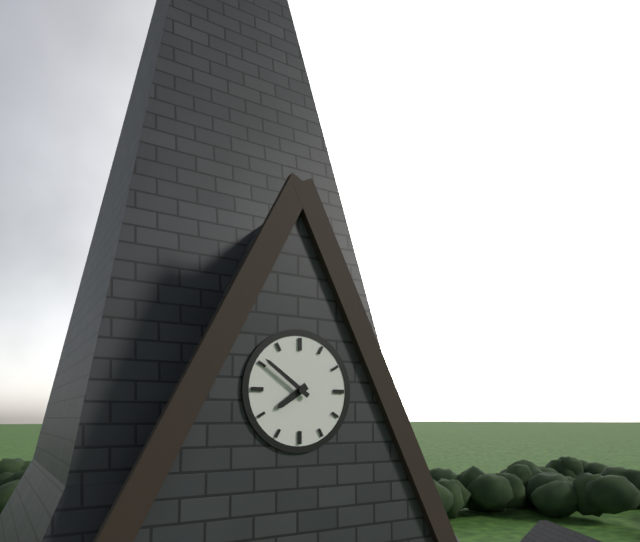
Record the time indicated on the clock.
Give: 7:51
